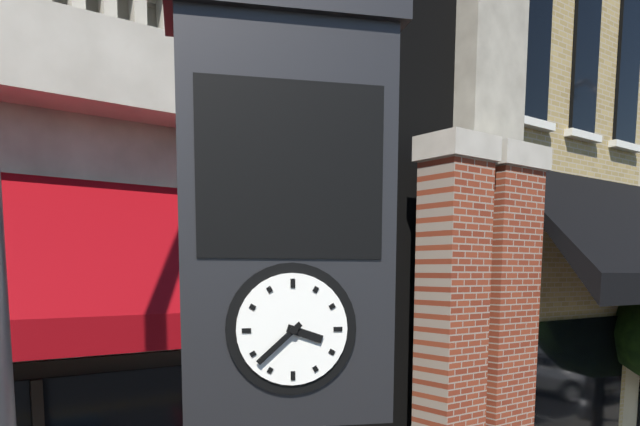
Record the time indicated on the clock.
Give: 3:38
